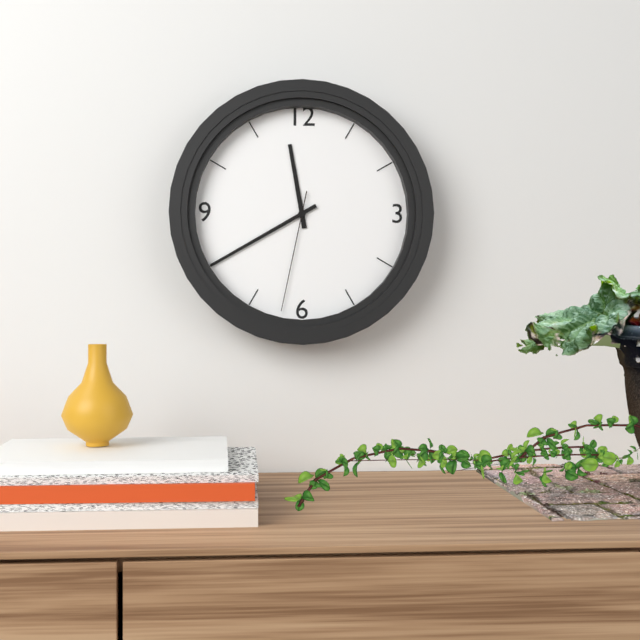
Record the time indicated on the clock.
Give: 11:40:32
